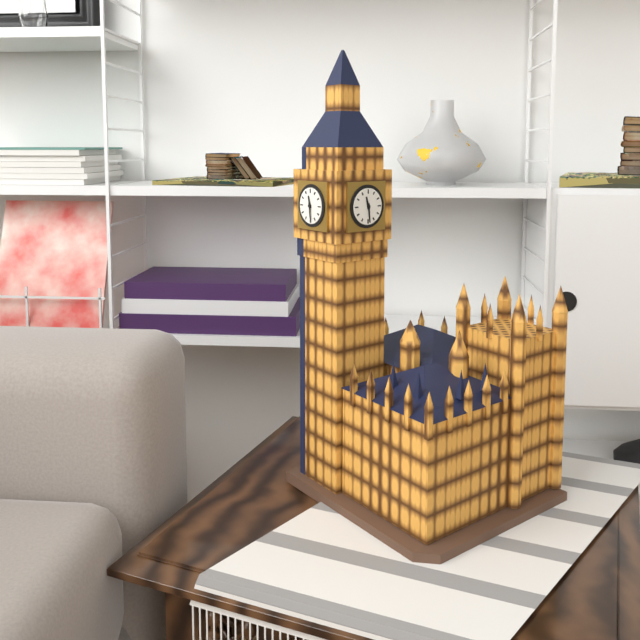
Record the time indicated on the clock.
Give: 11:29
